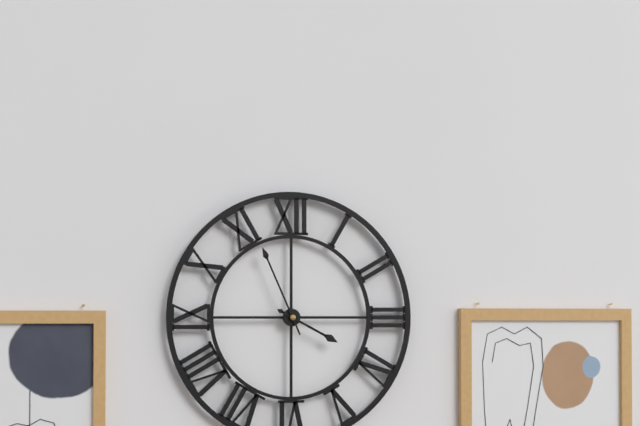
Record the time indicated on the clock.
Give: 3:56
